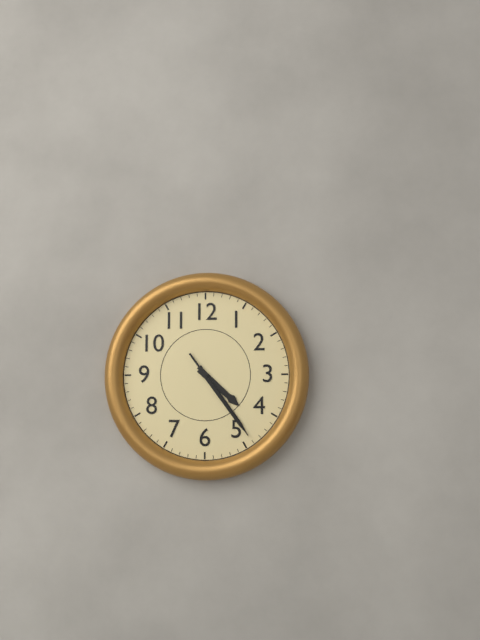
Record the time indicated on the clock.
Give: 4:24:24
